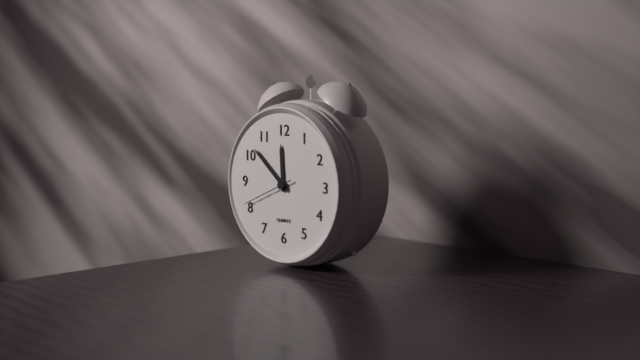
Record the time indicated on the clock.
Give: 11:52:41
